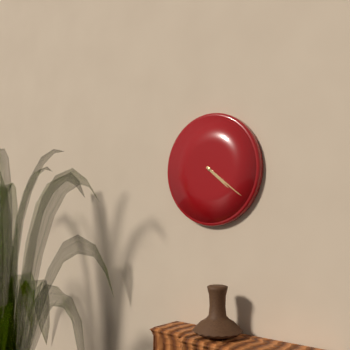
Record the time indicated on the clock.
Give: 4:21
